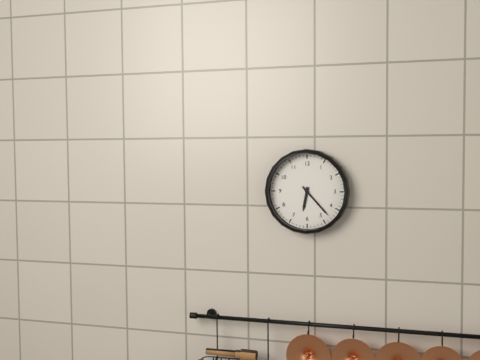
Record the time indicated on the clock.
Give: 6:23
